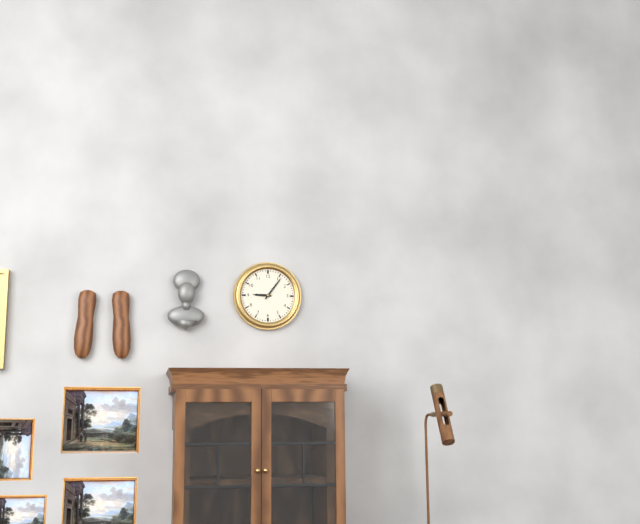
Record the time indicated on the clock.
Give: 9:06
